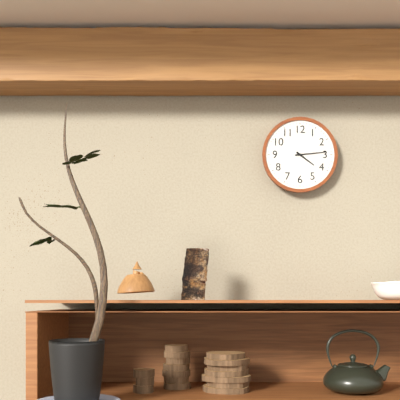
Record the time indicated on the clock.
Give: 4:14
